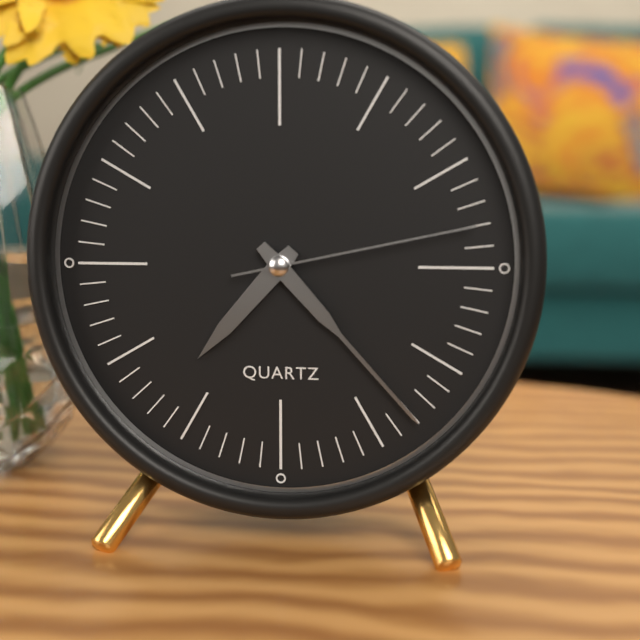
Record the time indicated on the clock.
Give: 7:23:13
